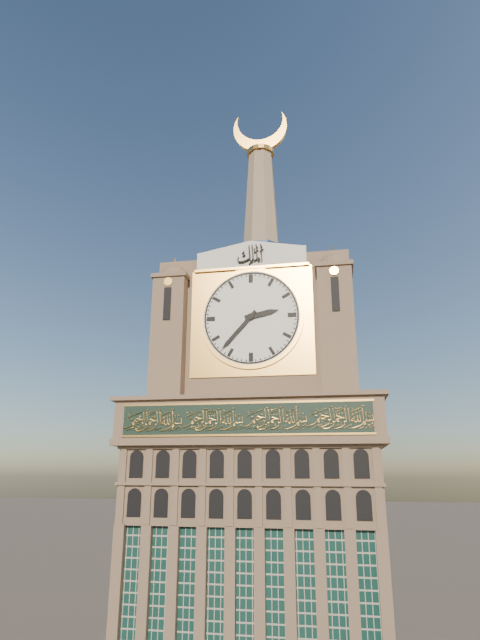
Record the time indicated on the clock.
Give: 2:37
